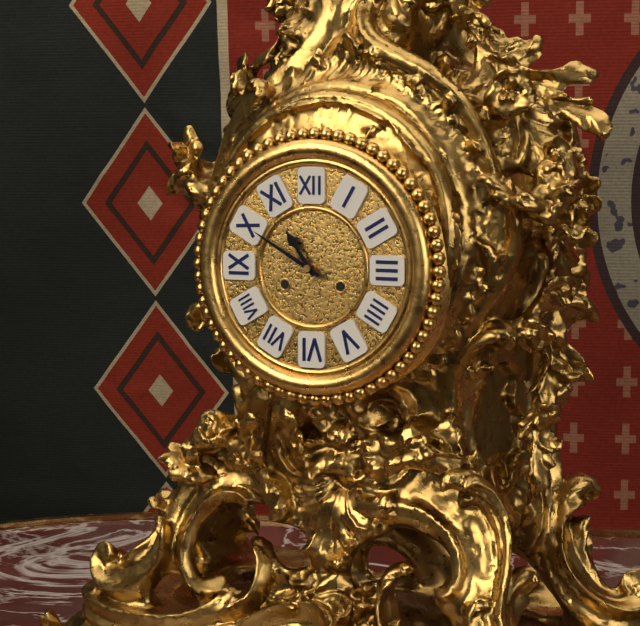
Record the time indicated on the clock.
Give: 10:50
